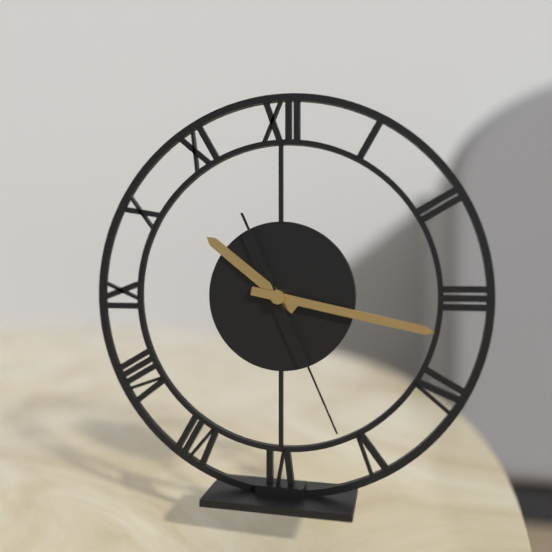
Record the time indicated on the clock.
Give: 10:17:26
